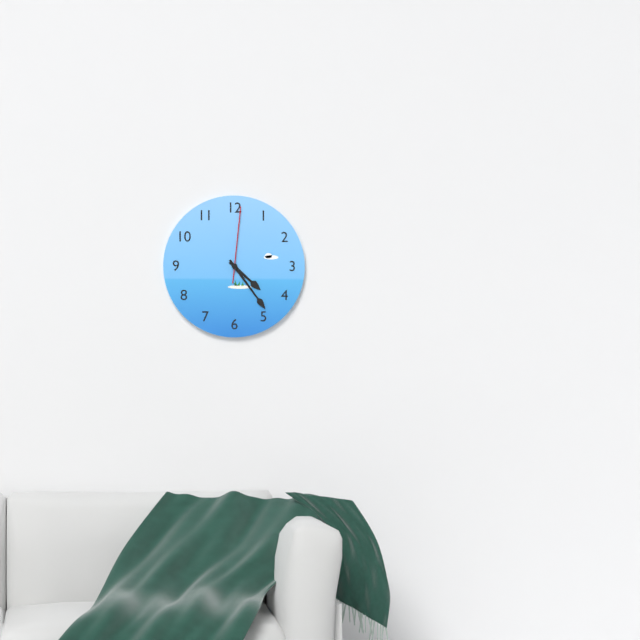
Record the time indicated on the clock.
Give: 4:24:01
